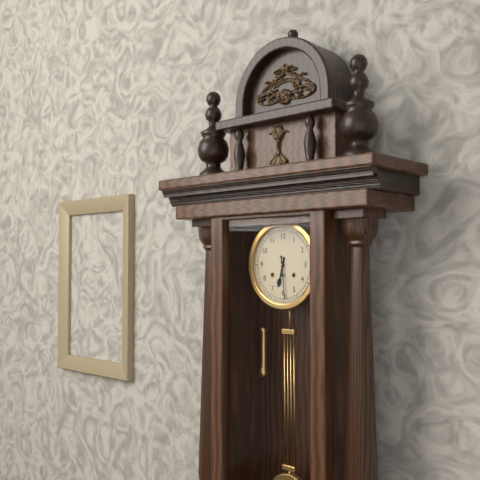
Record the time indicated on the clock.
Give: 6:29
